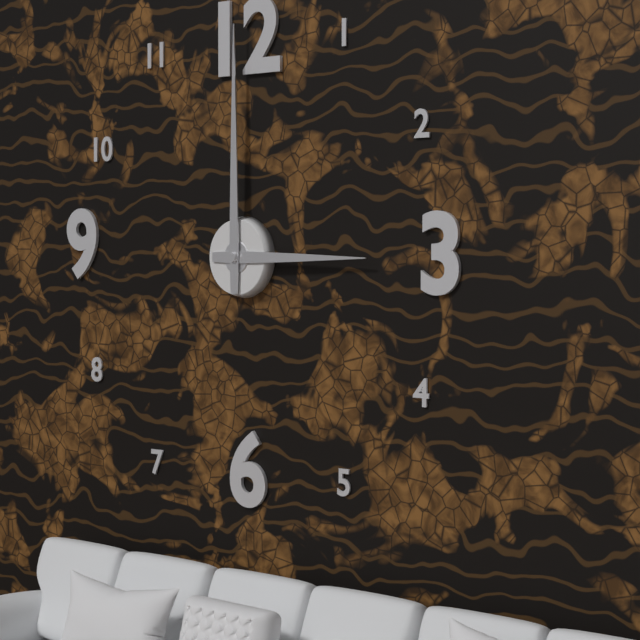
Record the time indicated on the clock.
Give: 3:00
